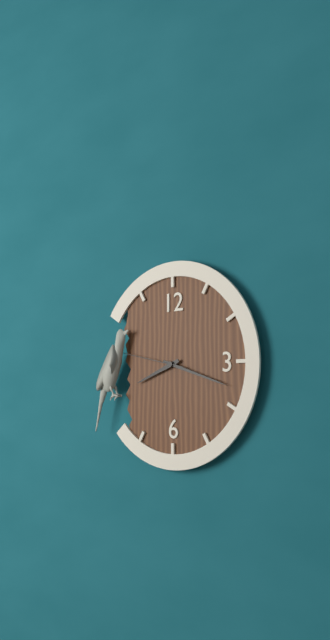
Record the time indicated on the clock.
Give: 8:18:47
